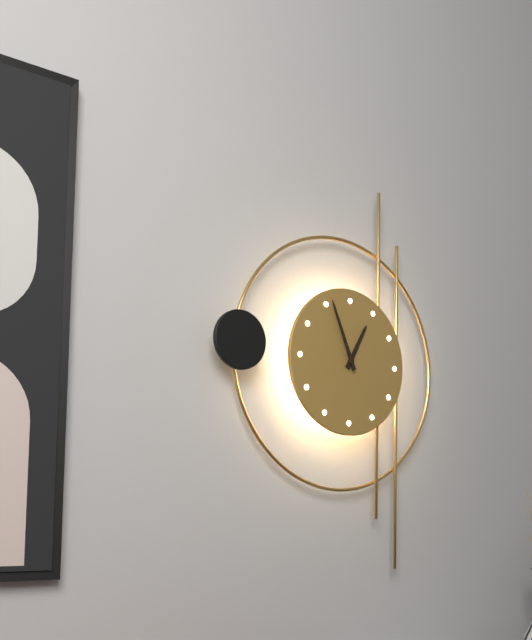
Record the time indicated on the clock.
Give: 12:56
